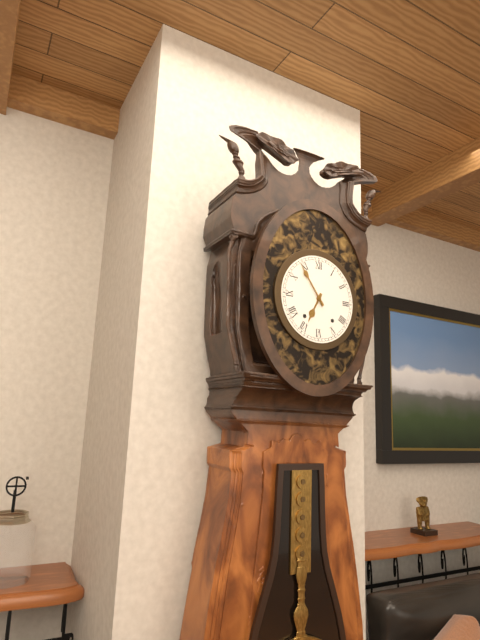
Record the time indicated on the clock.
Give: 6:54
